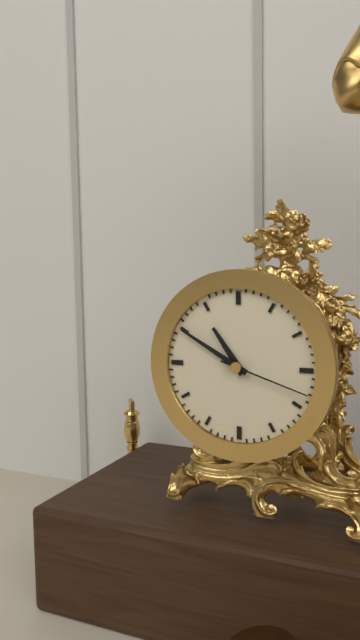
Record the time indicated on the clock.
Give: 10:50:18
